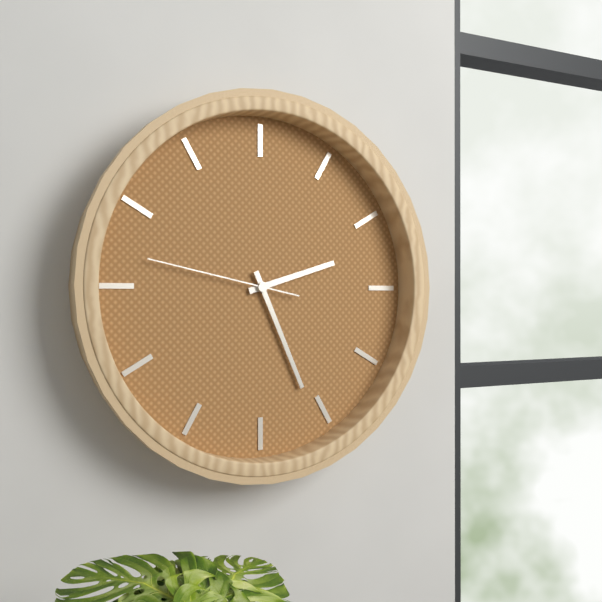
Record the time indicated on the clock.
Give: 2:26:47
